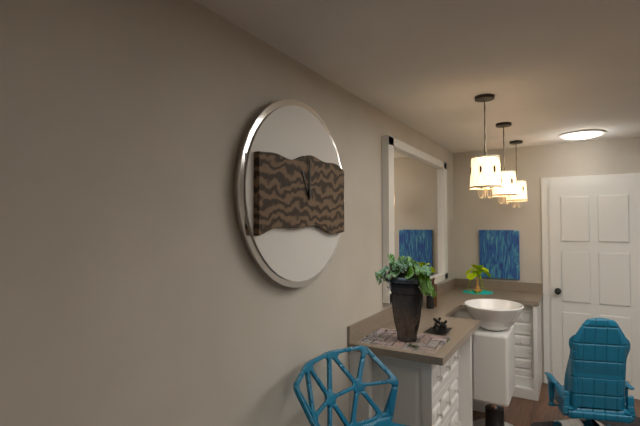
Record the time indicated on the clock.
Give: 11:00
